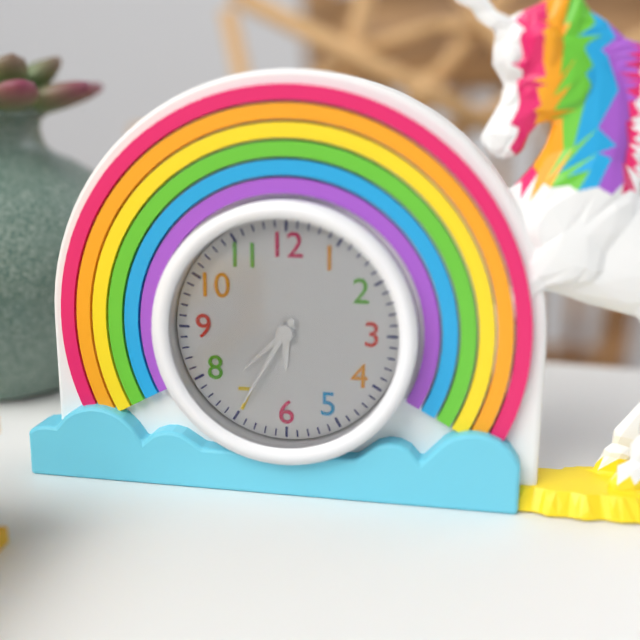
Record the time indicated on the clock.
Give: 7:35
